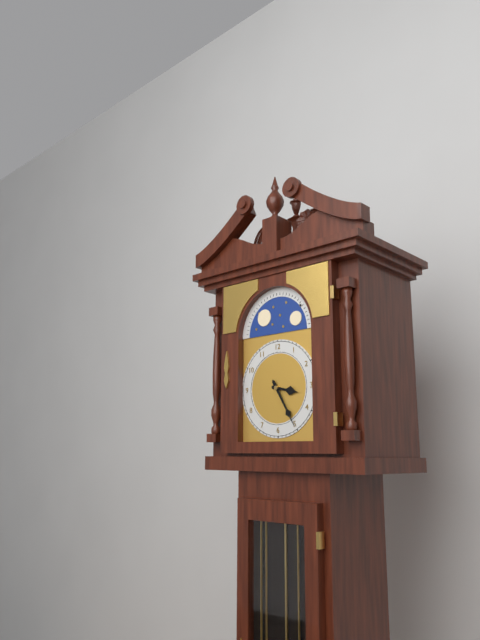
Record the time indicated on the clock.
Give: 3:25
